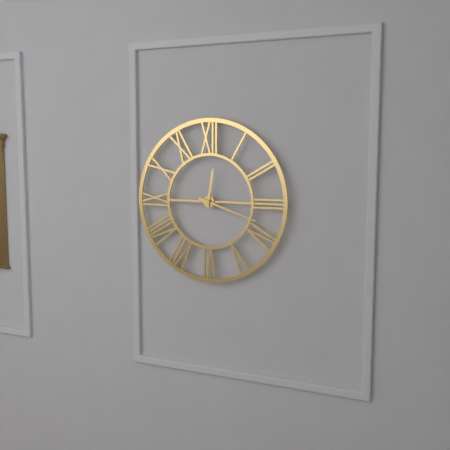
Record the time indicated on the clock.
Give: 12:18
